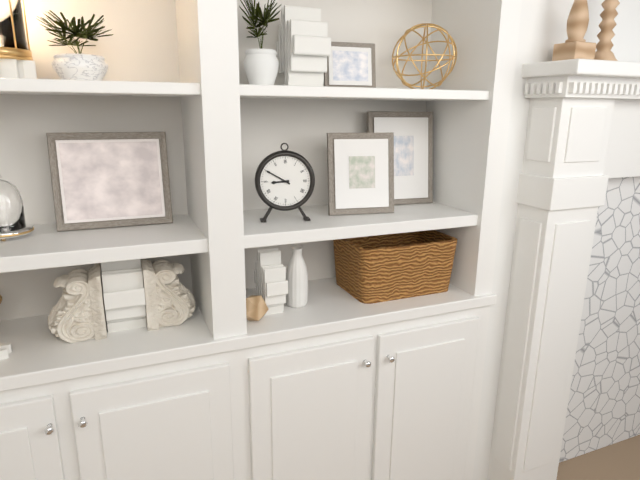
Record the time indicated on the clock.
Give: 8:50
